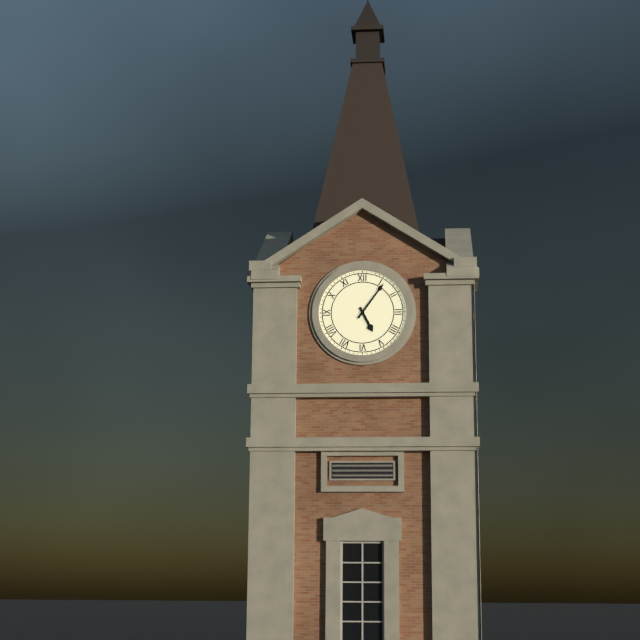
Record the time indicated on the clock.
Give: 5:06
